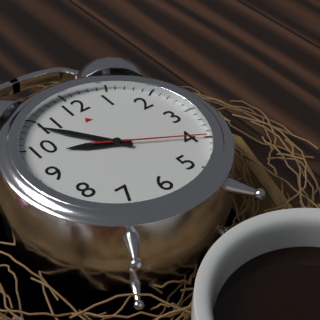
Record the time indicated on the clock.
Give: 9:54:20
